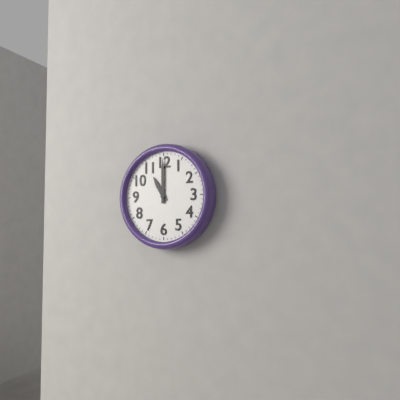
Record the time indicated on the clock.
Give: 11:00
